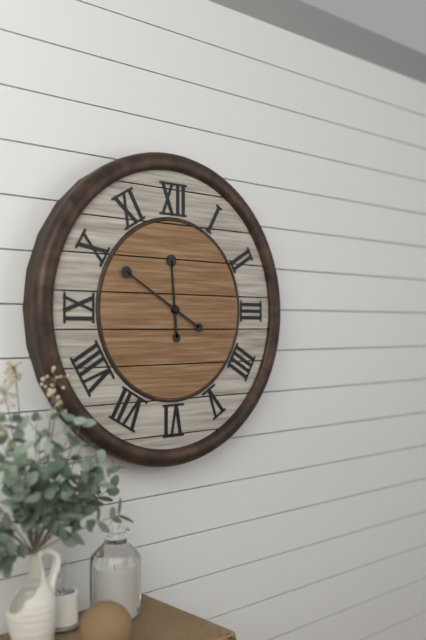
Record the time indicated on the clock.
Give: 11:50
